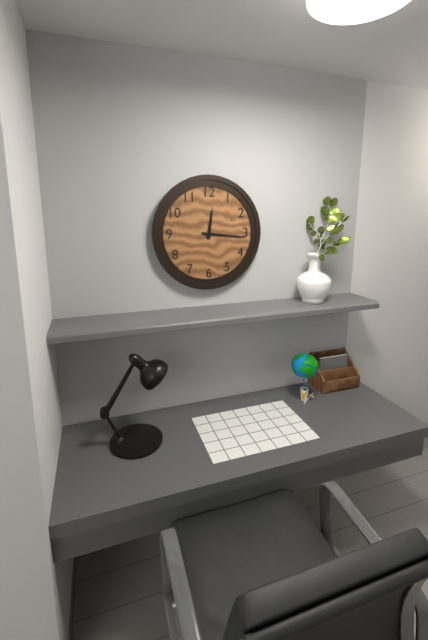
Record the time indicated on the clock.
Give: 12:16
